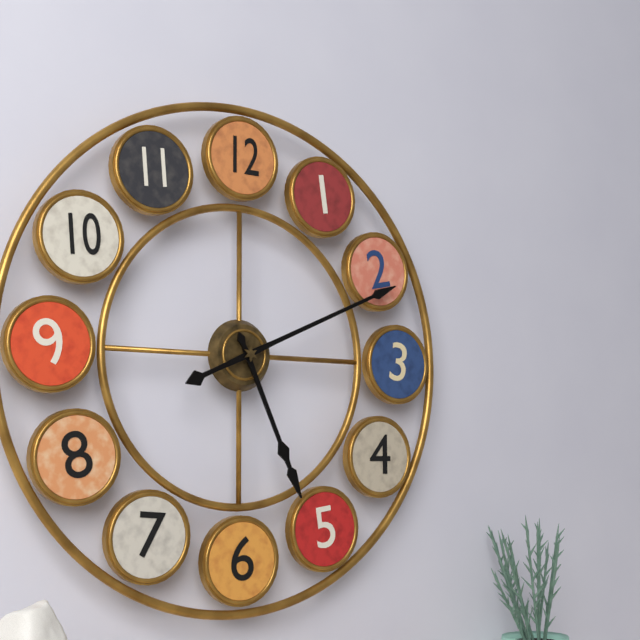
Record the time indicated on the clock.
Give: 5:11
